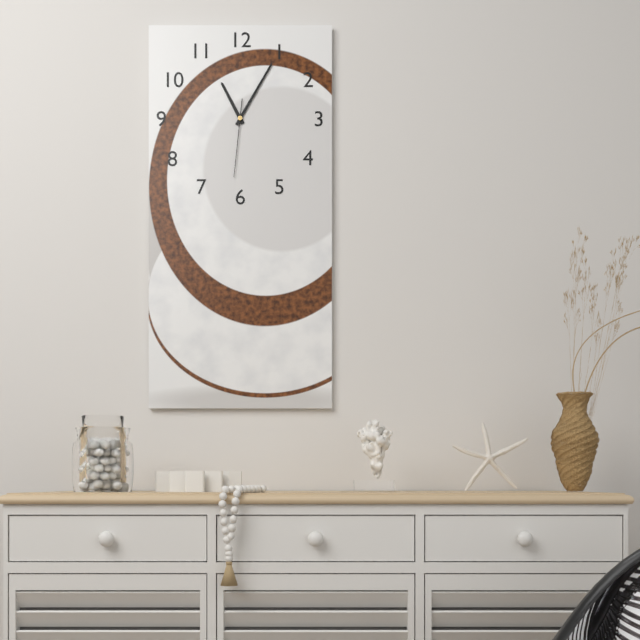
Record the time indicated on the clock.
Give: 11:05:31
